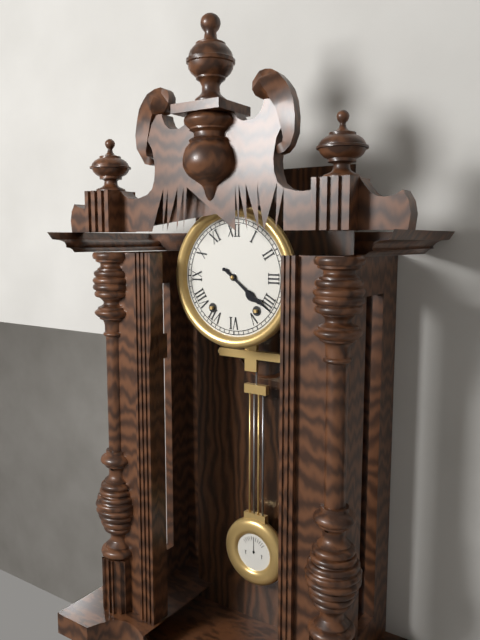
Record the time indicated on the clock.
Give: 4:21
